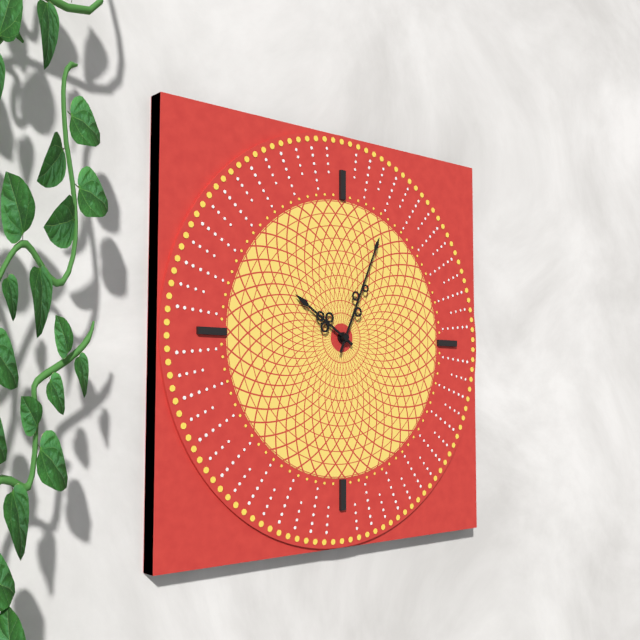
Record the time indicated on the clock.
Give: 10:04
